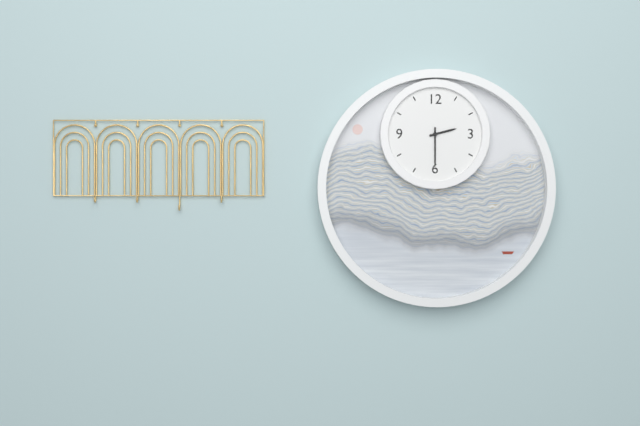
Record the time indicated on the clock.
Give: 2:30
